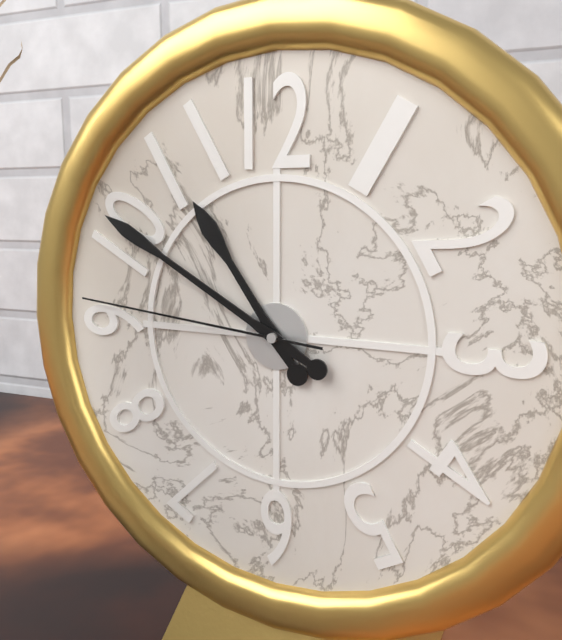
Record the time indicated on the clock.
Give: 10:50:46
